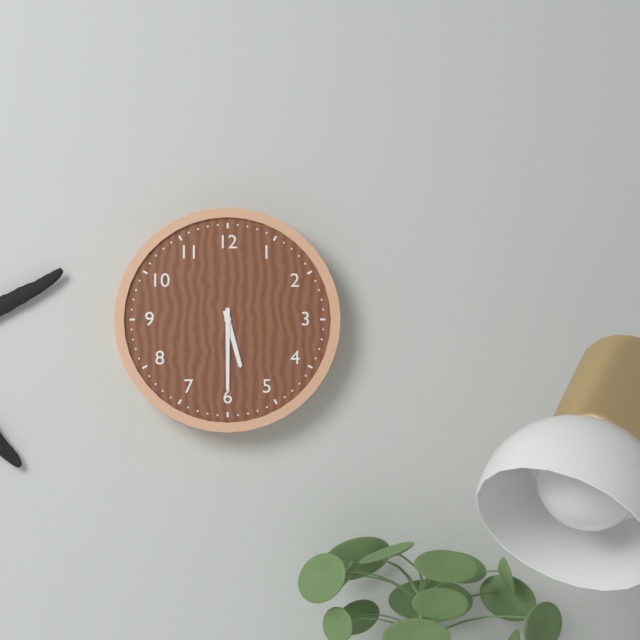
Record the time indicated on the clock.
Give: 5:30
